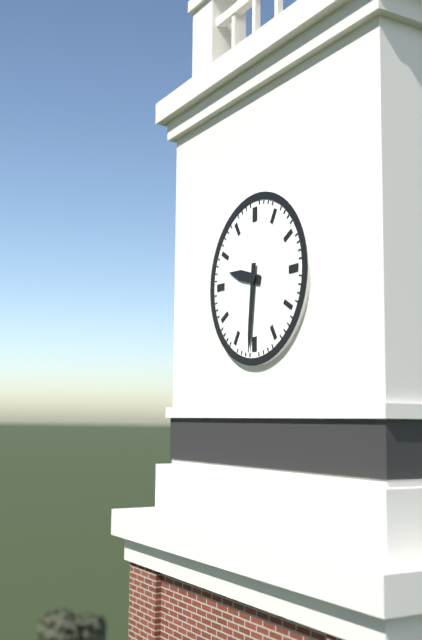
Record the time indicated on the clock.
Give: 9:31
